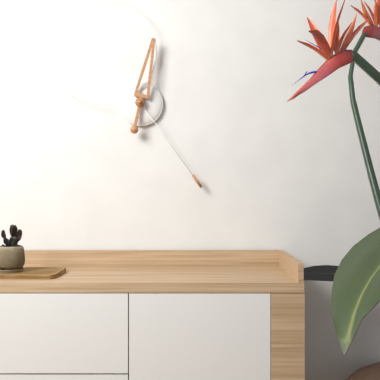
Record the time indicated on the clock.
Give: 12:24
